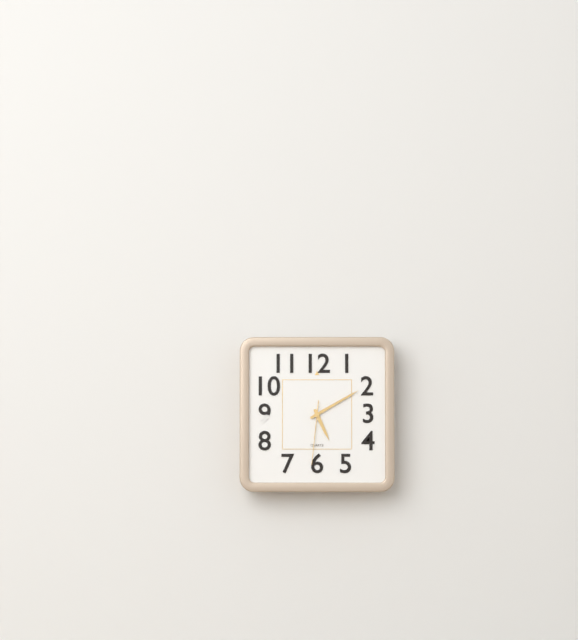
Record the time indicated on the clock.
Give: 5:10:31
